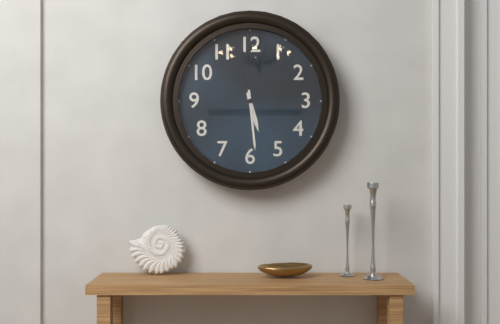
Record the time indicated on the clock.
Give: 5:29
